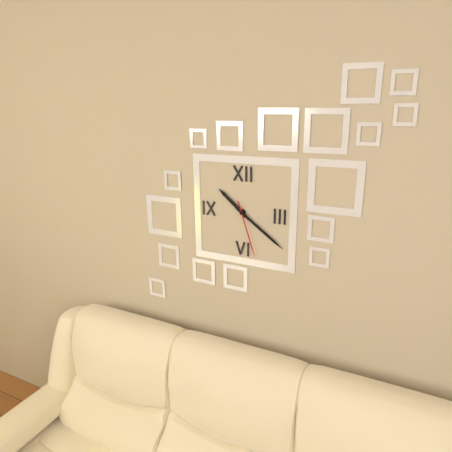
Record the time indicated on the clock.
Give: 10:21:27
